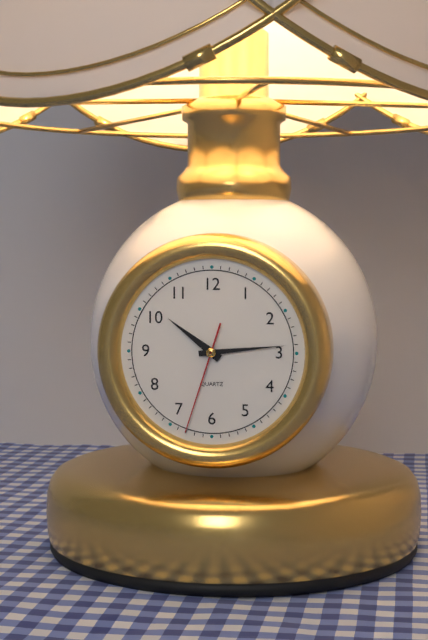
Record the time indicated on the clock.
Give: 10:14:33
